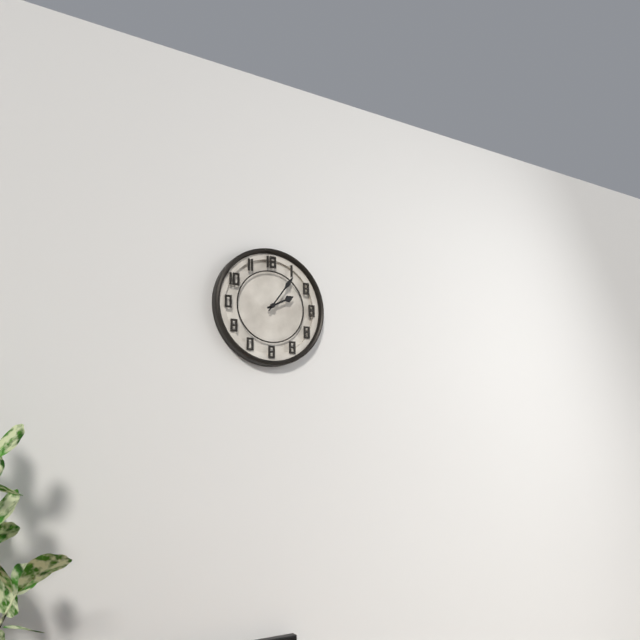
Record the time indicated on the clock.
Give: 2:06
